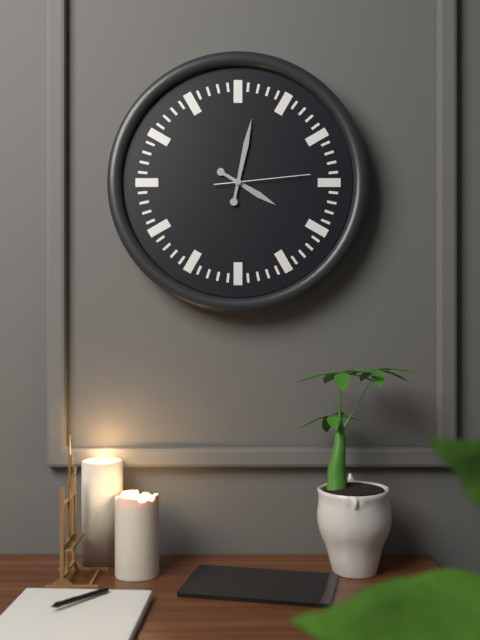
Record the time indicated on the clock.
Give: 4:02:14
